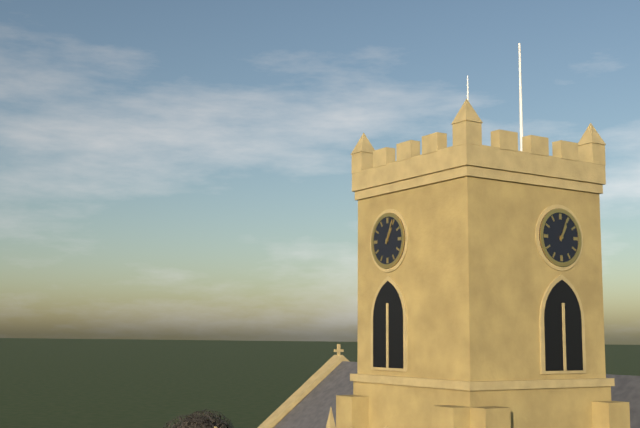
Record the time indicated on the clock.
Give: 1:04
